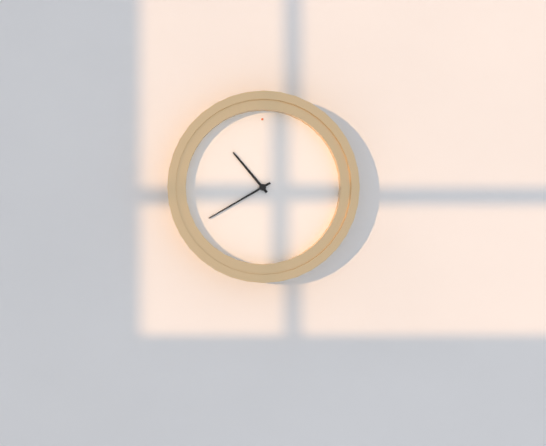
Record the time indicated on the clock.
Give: 10:40
